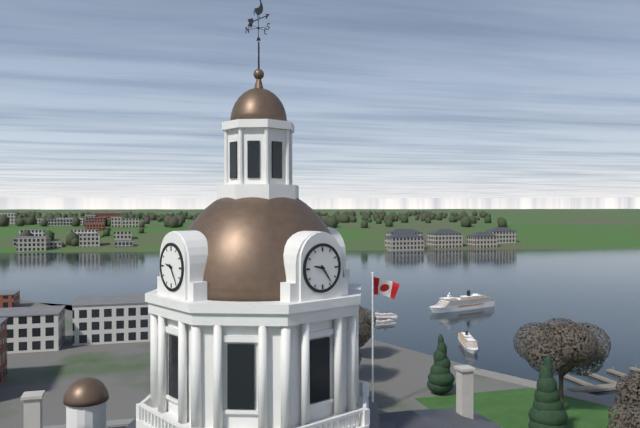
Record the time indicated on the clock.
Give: 9:24
